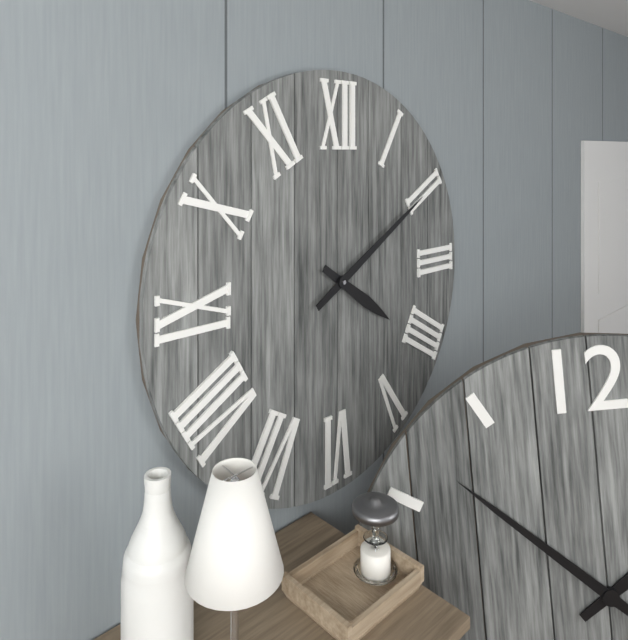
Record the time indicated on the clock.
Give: 4:10
